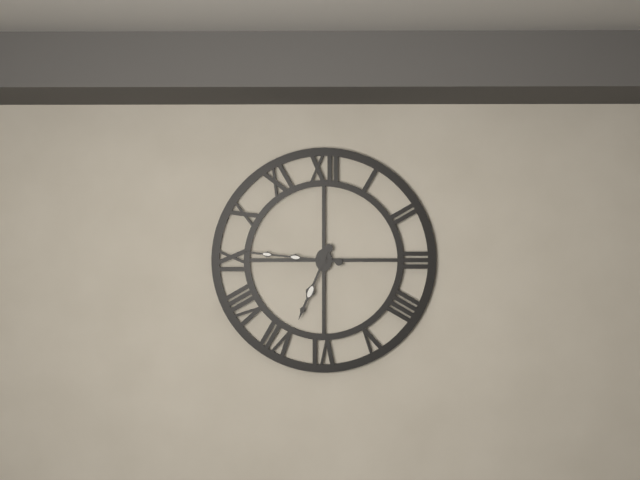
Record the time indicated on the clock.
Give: 6:46
